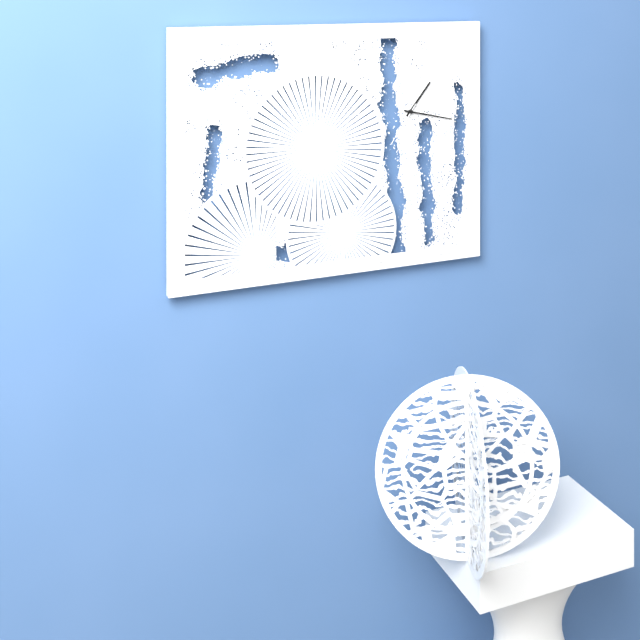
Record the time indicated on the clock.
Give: 1:17
